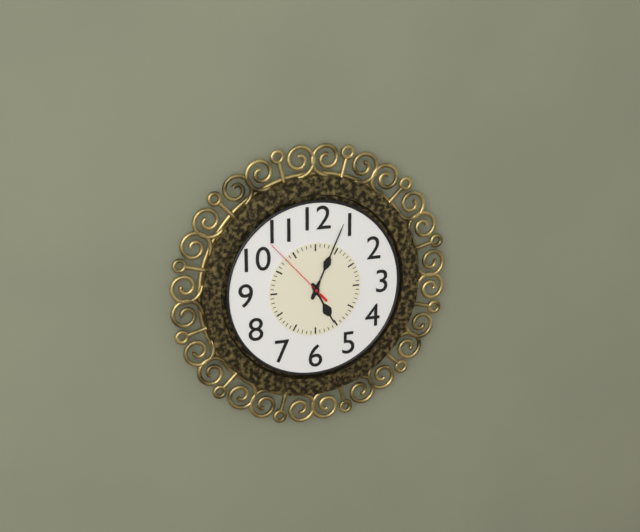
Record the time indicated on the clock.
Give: 5:04:53
